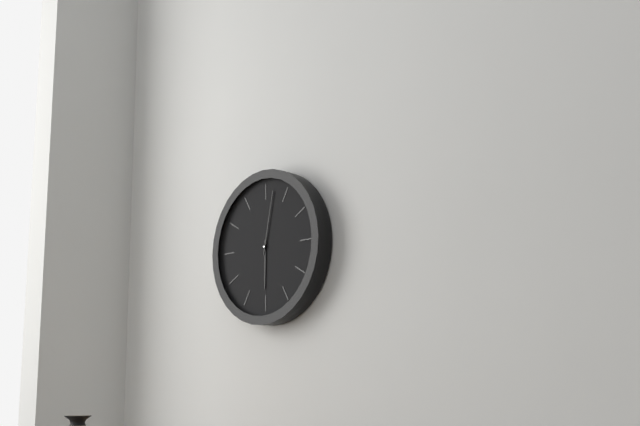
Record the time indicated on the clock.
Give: 6:02
